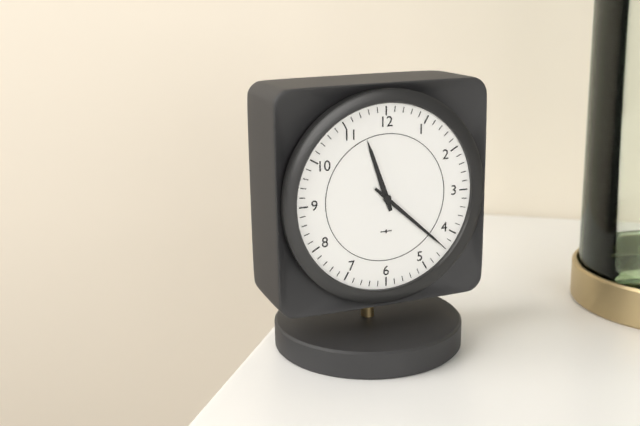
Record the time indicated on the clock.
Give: 11:22
